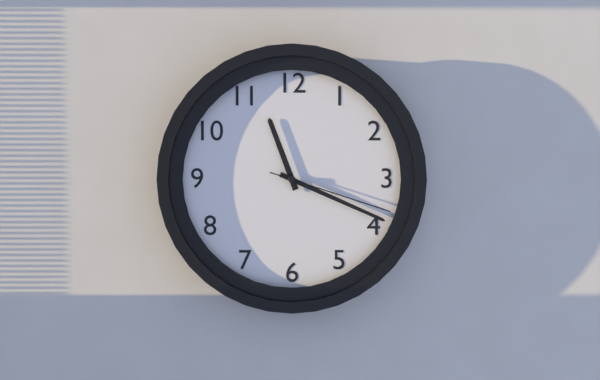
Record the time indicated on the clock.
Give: 11:19:18
